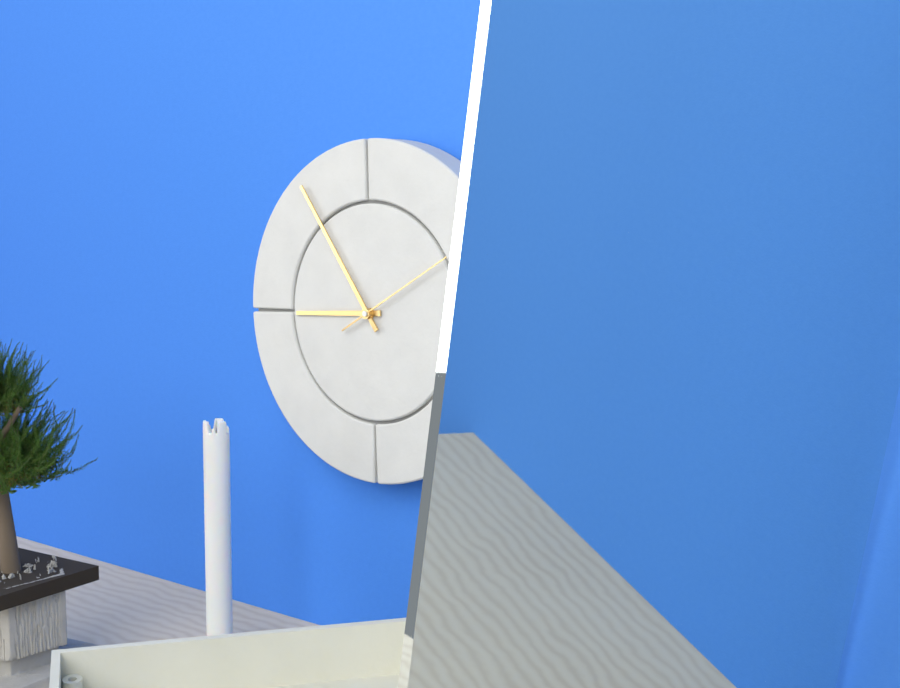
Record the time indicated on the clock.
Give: 8:54:10
